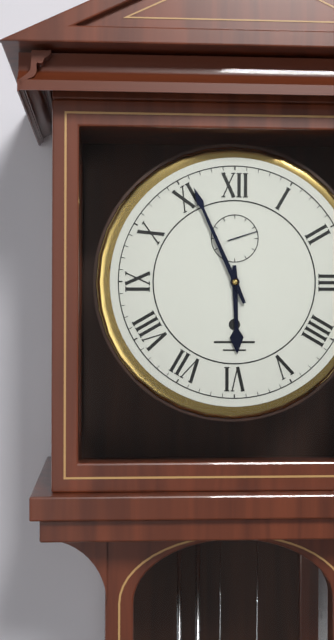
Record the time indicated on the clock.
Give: 5:56
